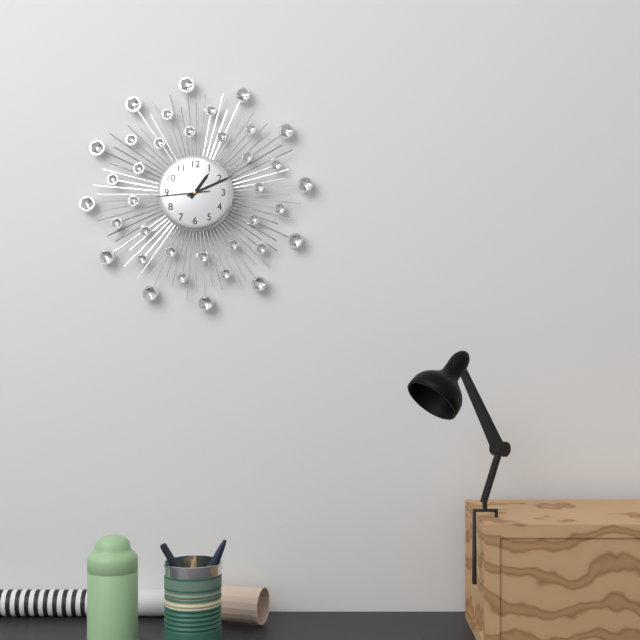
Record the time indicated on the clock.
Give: 1:11:44
